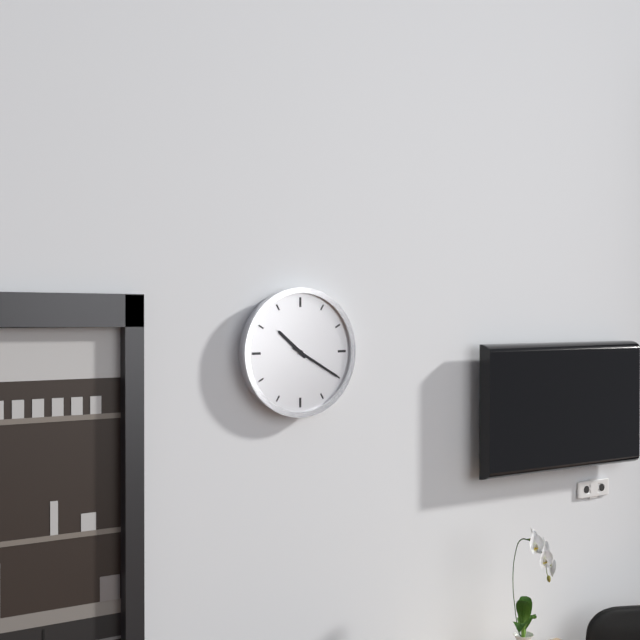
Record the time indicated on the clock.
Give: 10:20
